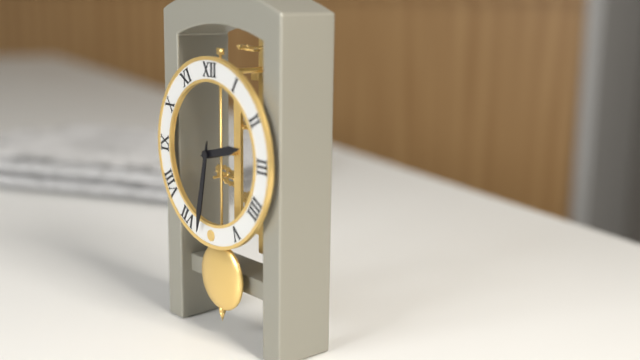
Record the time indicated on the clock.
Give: 2:32
